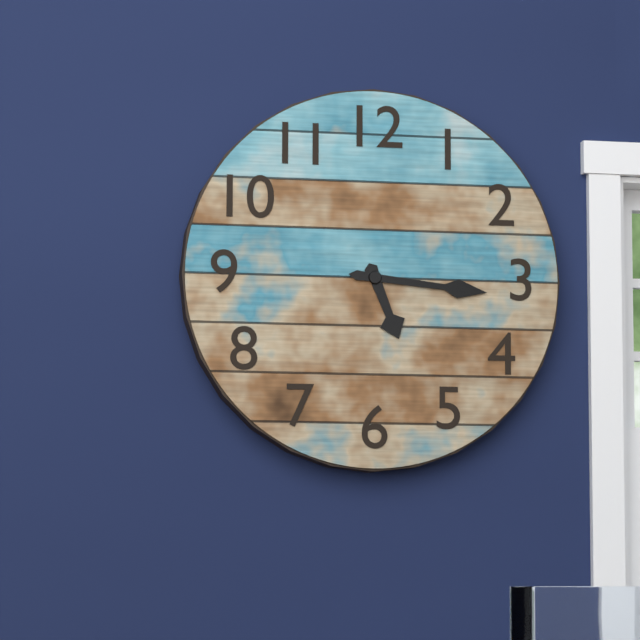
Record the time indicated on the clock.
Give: 5:16
